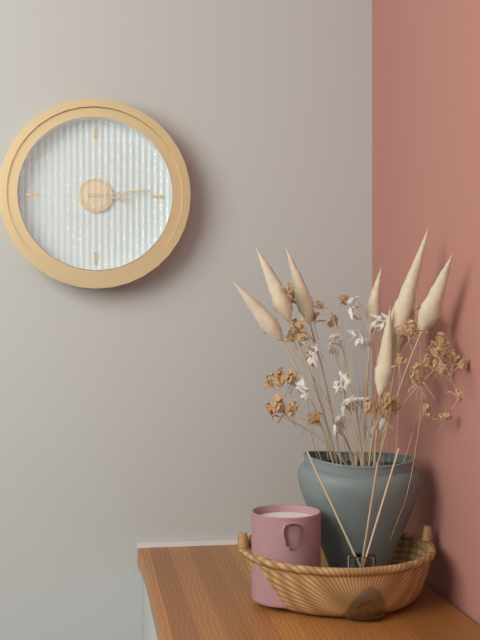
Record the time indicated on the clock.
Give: 3:14
